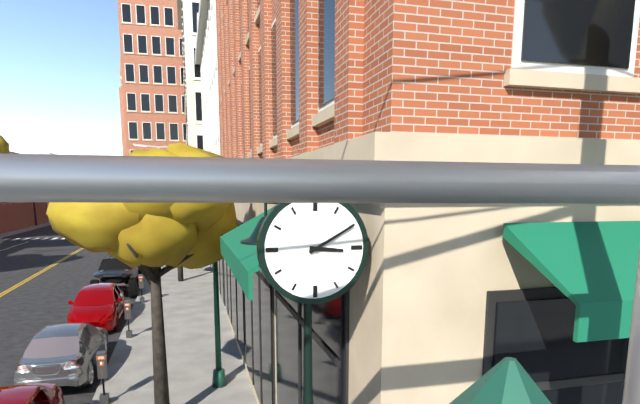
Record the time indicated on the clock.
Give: 3:10
